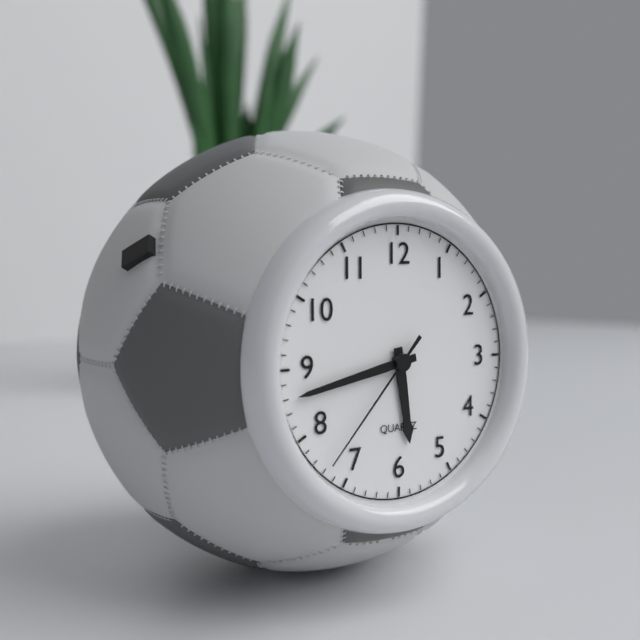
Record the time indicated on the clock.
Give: 5:43:37
